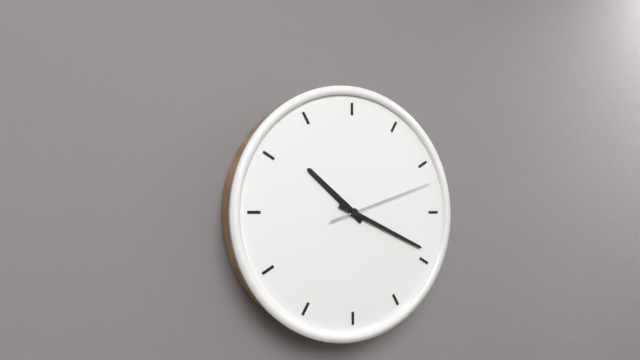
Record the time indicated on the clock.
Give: 10:19:12
